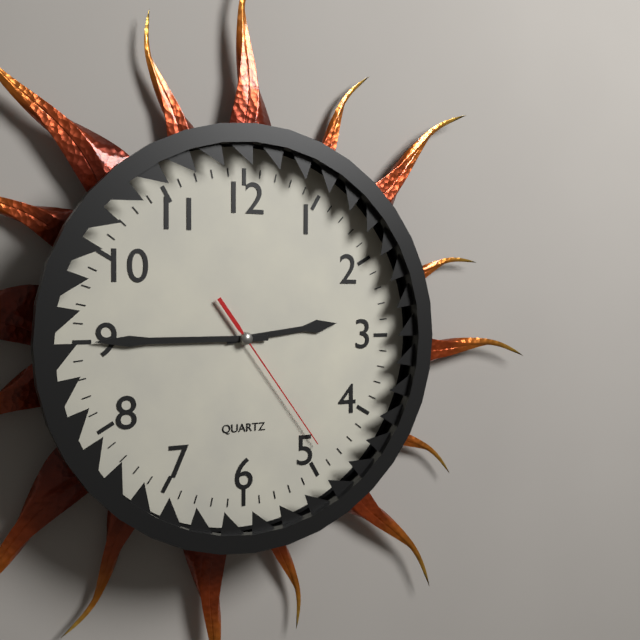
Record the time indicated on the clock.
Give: 2:45:24
